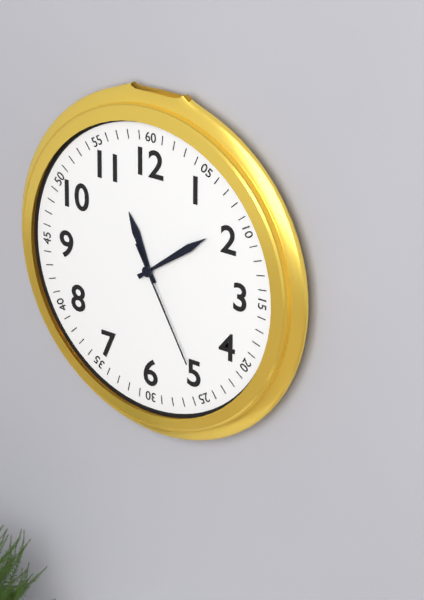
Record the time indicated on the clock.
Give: 11:09:25
